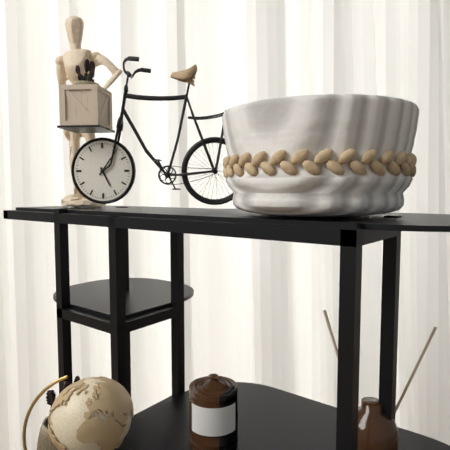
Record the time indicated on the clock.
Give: 5:06
